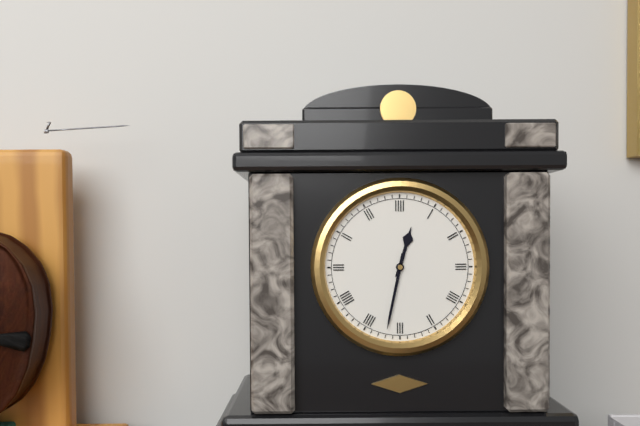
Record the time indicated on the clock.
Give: 12:32
